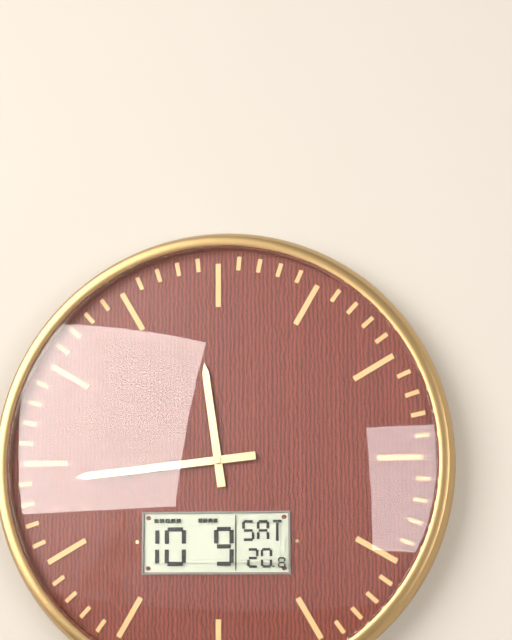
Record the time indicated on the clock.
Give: 11:44
